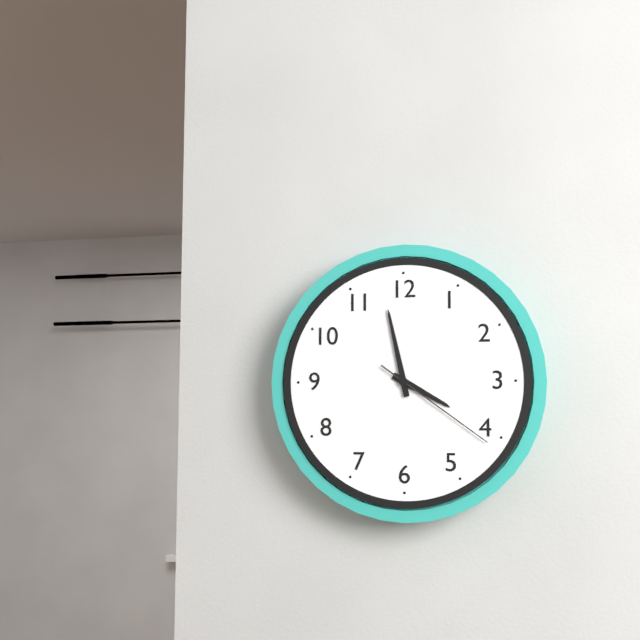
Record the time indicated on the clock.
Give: 3:58:21
